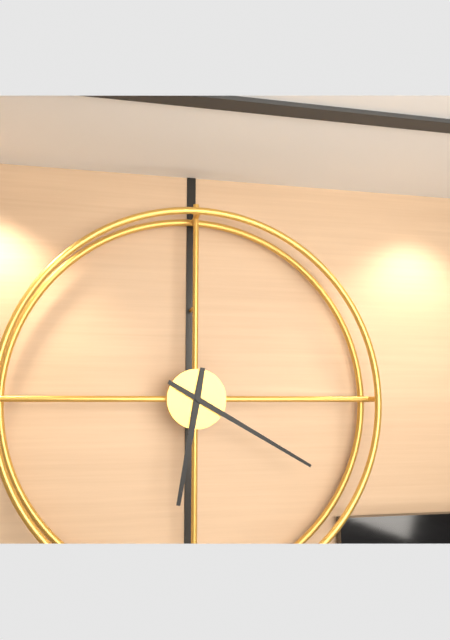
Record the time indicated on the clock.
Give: 6:20
